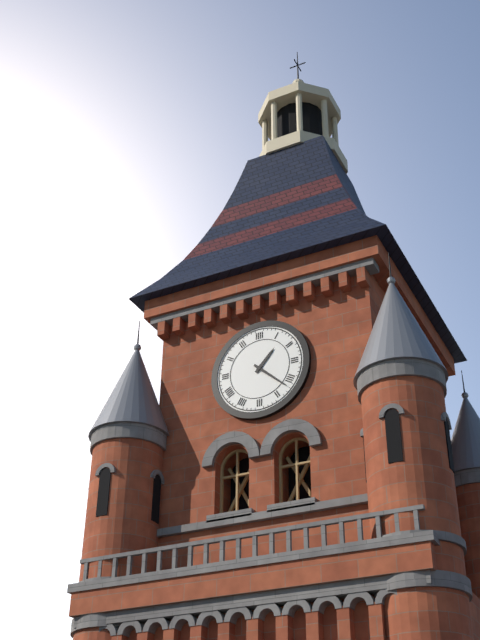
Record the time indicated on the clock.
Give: 1:22
